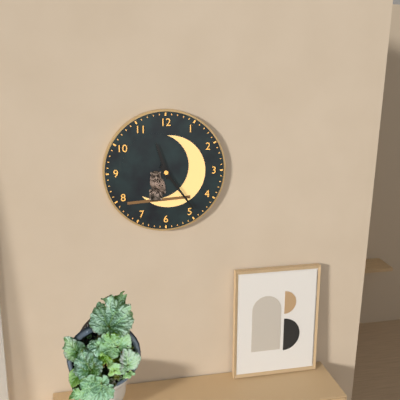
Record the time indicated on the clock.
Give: 11:24
